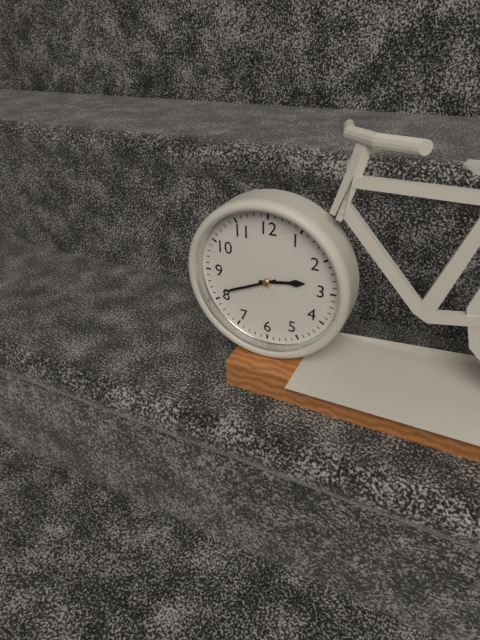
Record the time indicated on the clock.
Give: 2:41
